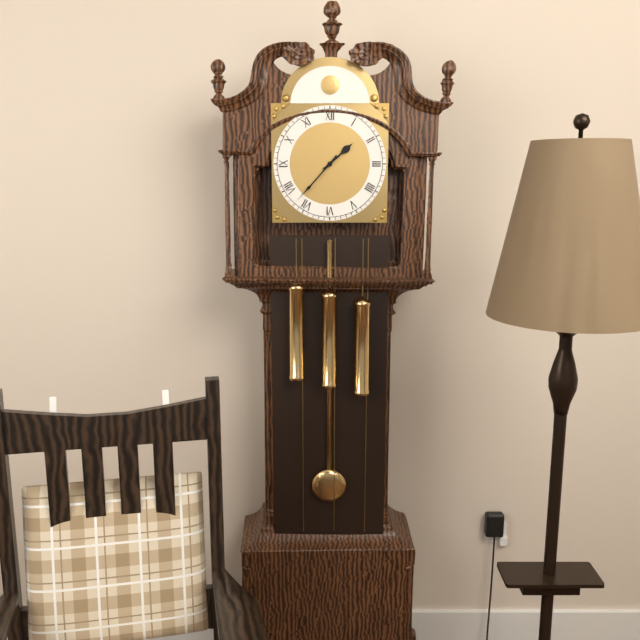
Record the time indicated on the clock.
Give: 1:37
